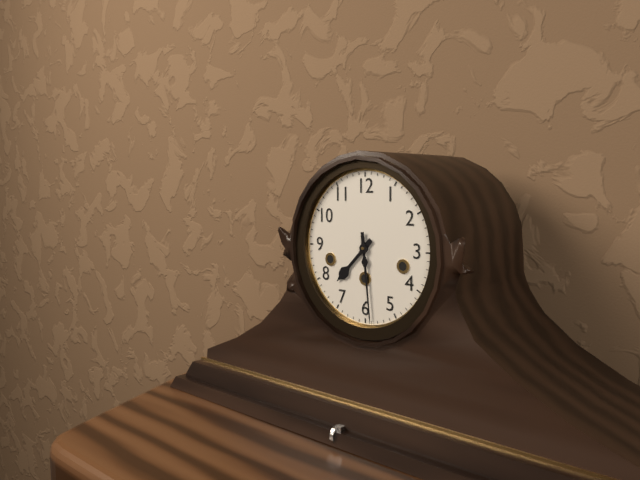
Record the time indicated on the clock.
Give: 7:29
